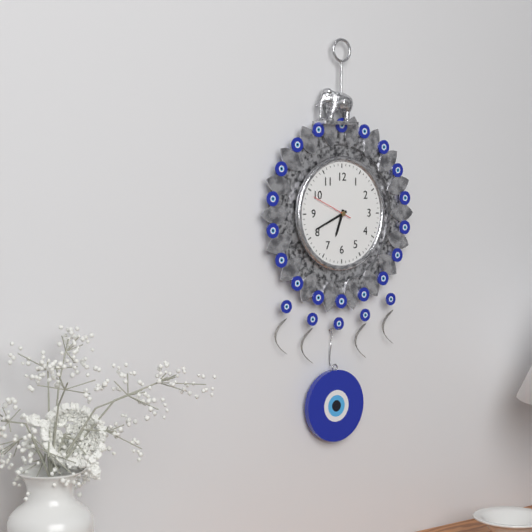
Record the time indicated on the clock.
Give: 6:41
